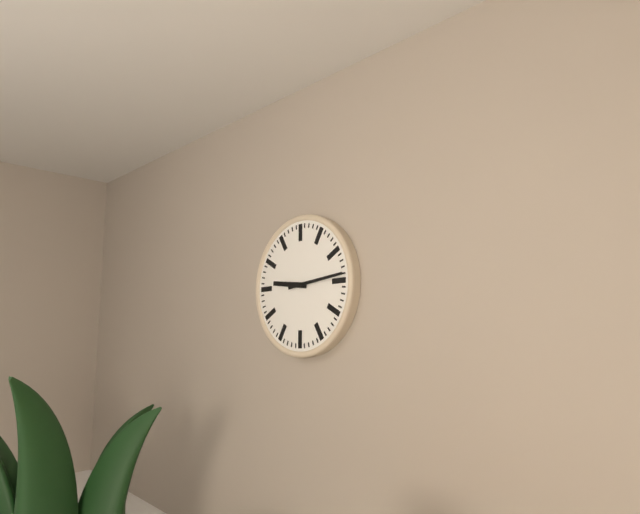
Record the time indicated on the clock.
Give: 9:14
